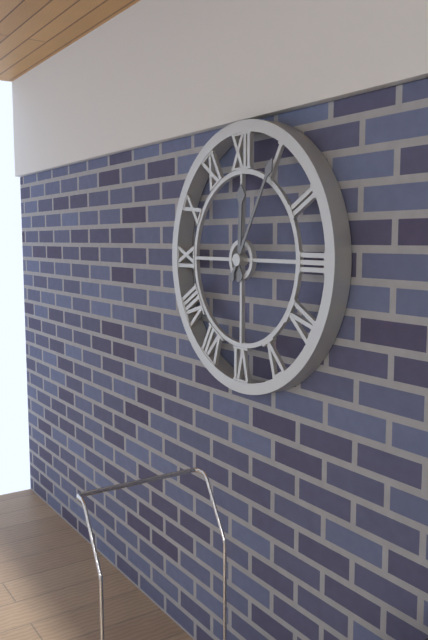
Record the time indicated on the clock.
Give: 12:05
